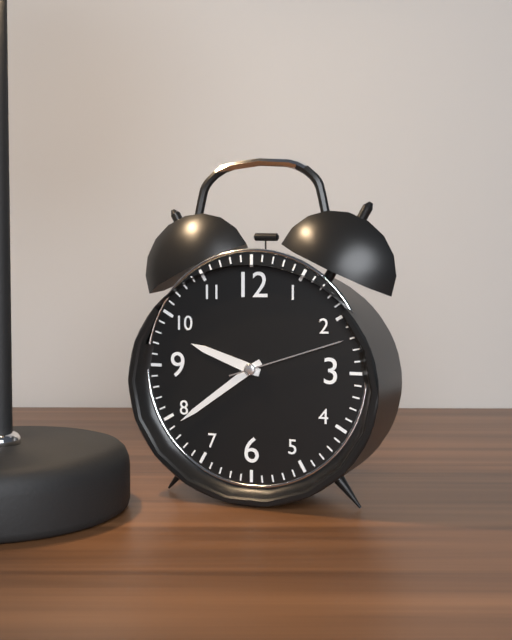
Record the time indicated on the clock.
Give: 9:39:12
